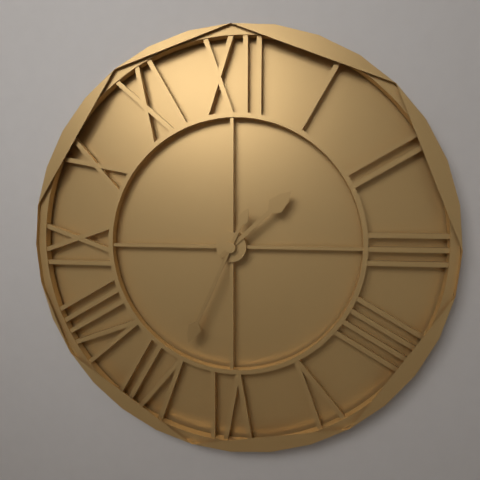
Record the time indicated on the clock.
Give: 1:34
